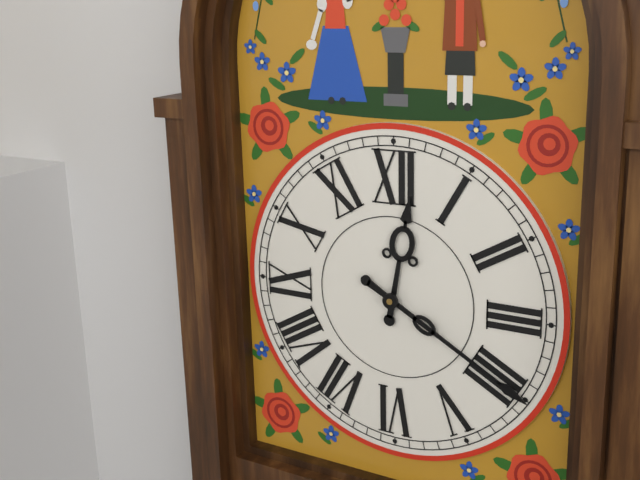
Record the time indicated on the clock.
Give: 12:20
